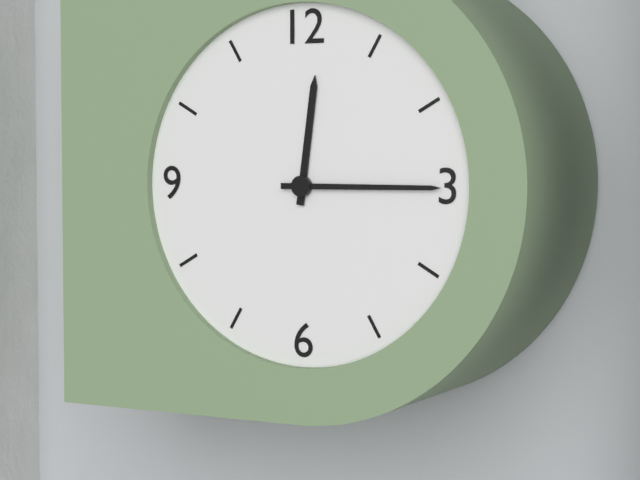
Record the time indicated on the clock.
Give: 12:15
